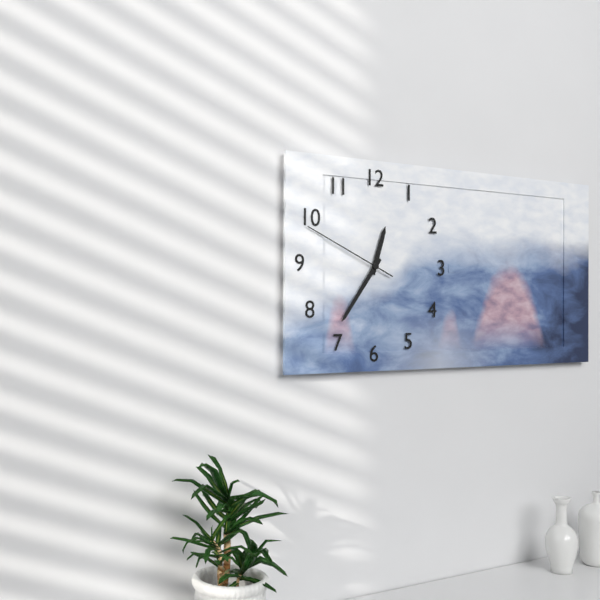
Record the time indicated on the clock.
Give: 12:36:49
